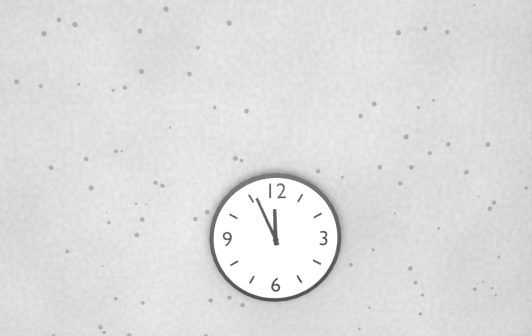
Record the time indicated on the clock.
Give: 11:56
